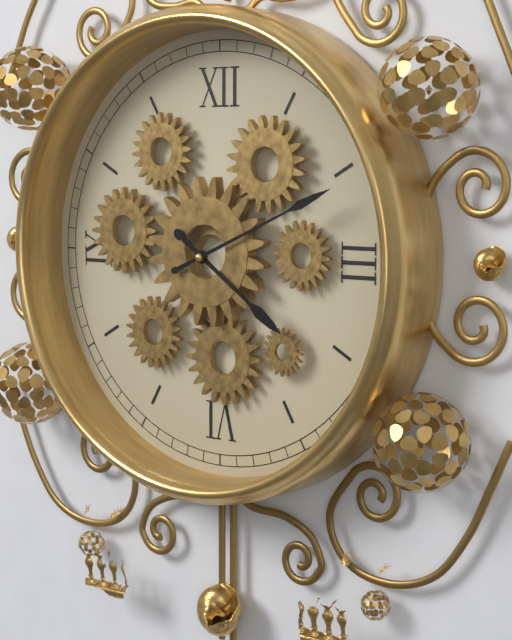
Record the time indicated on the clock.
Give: 4:11
